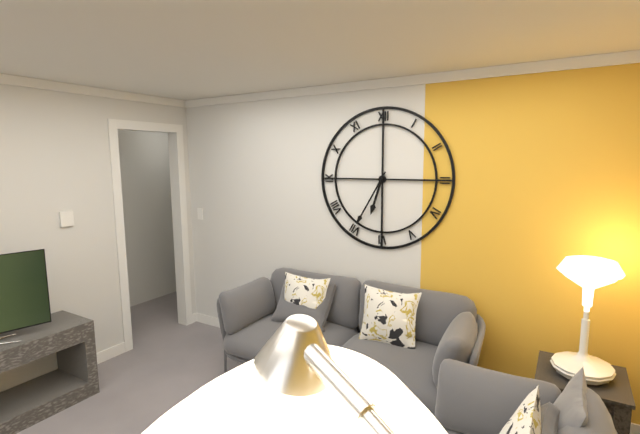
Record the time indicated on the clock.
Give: 6:35
